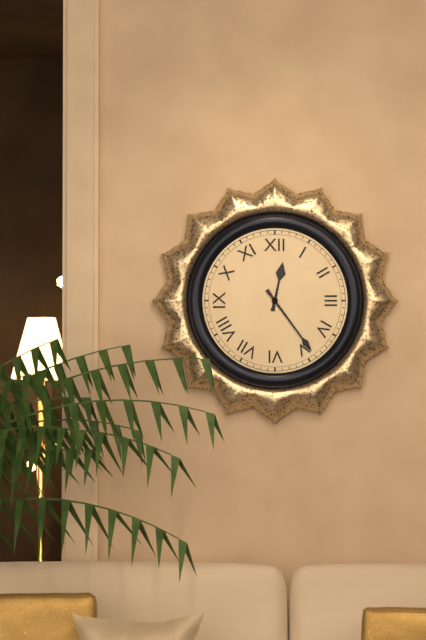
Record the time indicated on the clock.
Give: 12:24
